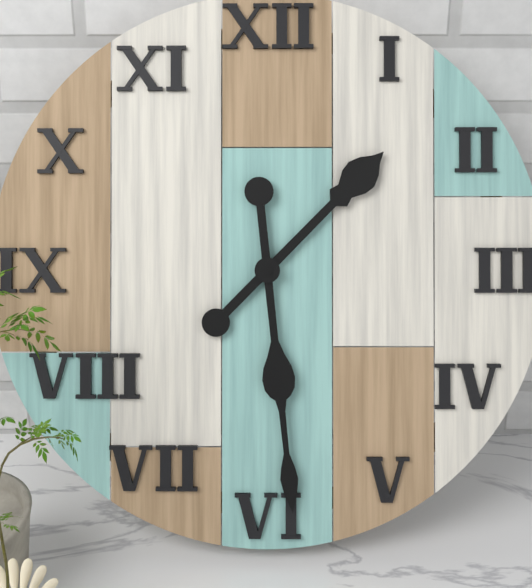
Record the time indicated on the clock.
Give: 1:29
